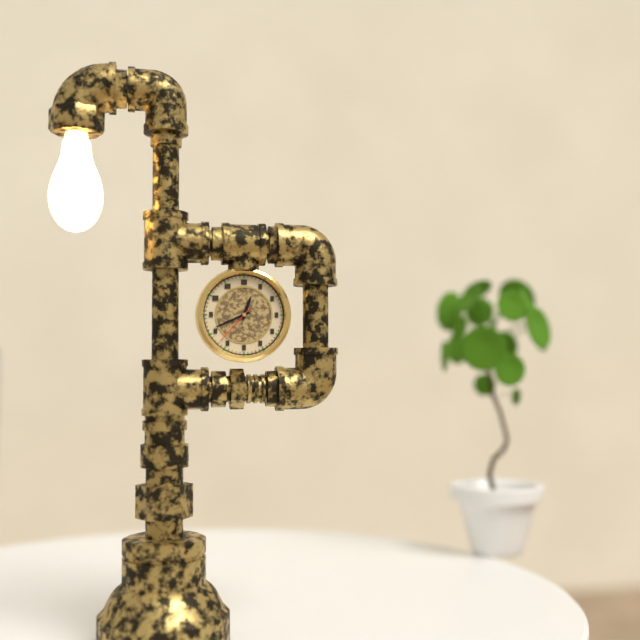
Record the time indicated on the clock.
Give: 12:41
